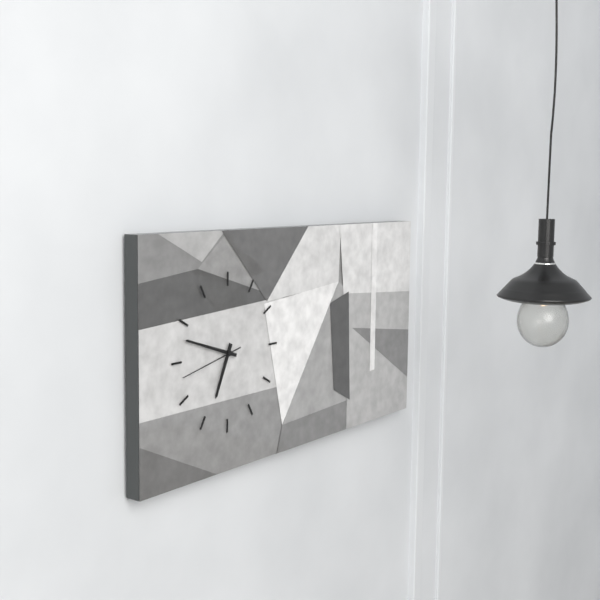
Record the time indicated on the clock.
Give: 6:48:43
